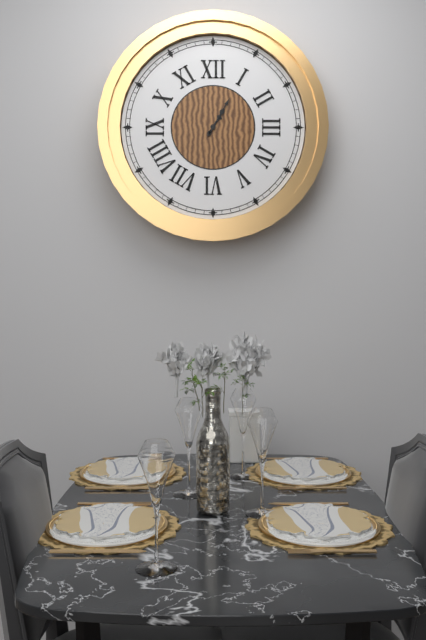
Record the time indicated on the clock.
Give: 1:05
